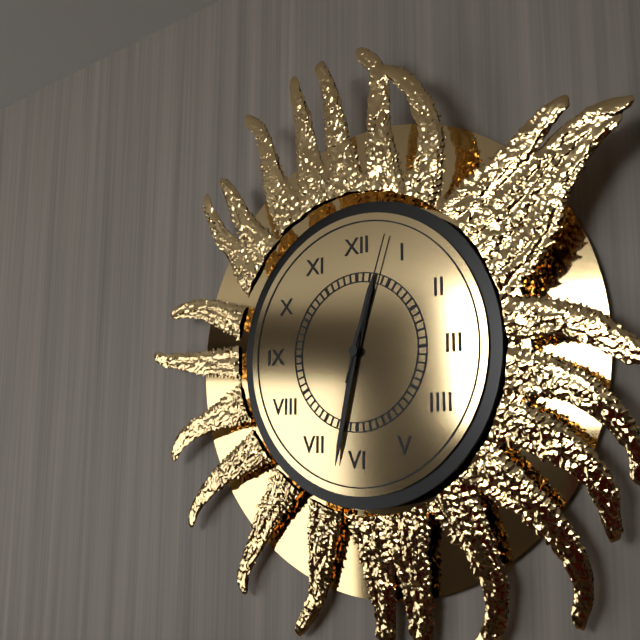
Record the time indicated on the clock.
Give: 12:32:03
